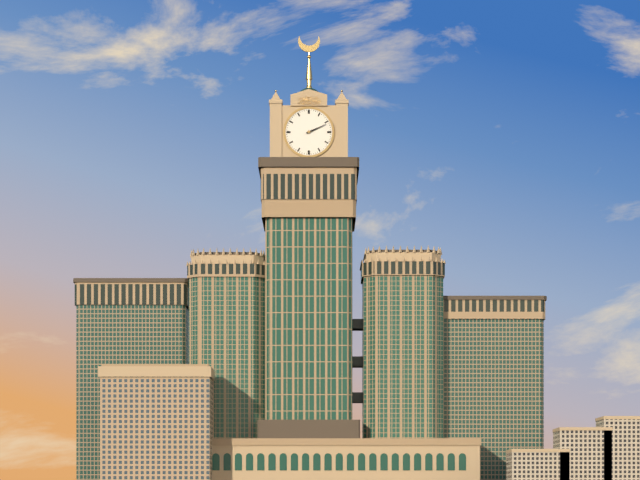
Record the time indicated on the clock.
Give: 2:11
